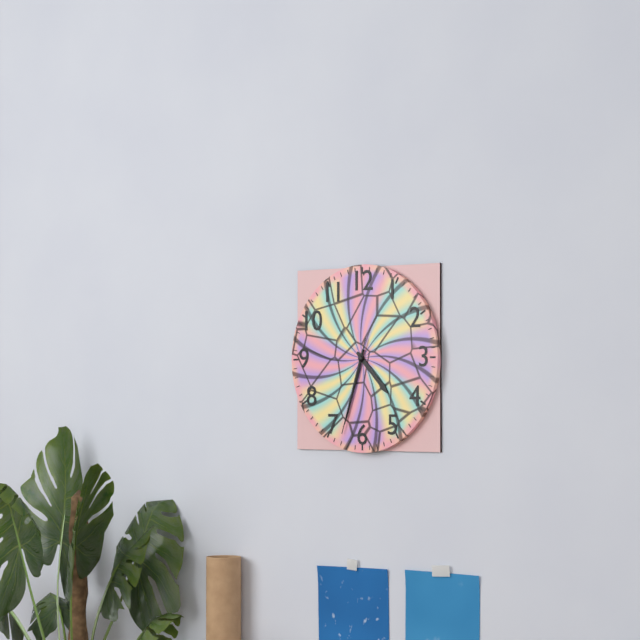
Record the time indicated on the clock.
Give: 4:33:33
